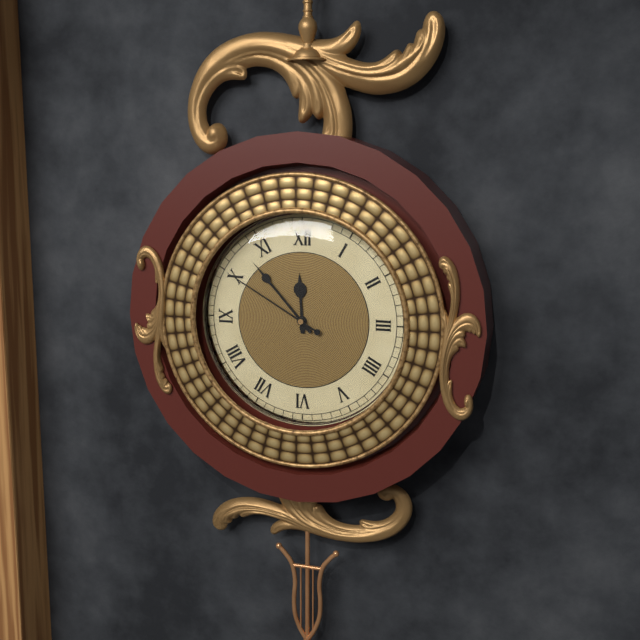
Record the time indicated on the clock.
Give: 11:53:50
